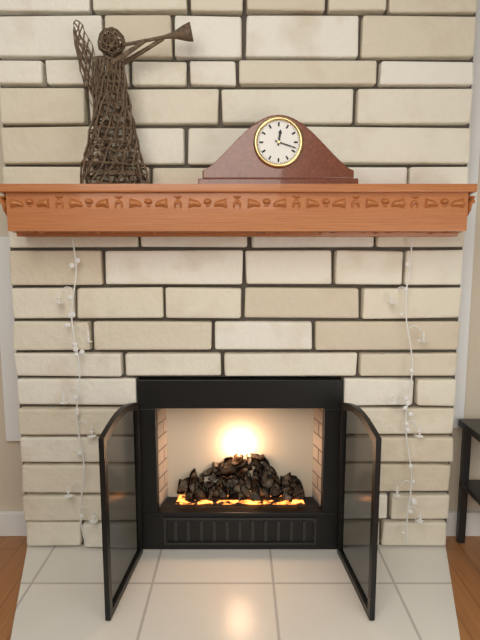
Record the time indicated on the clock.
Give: 12:18
